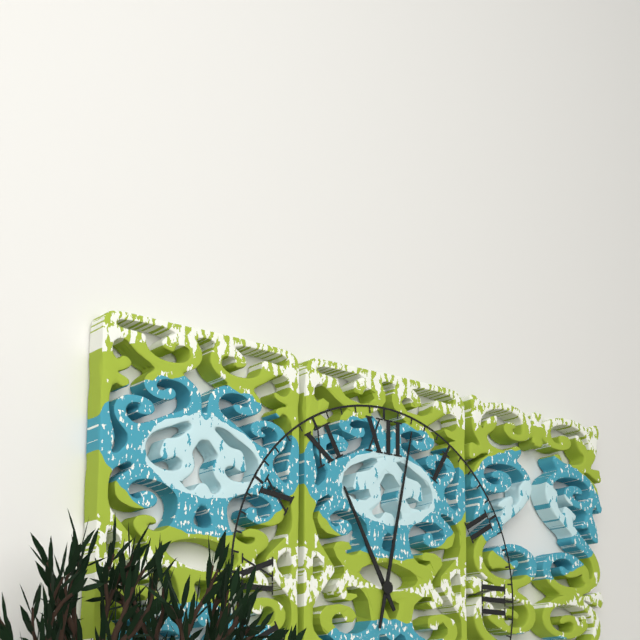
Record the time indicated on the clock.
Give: 11:02
